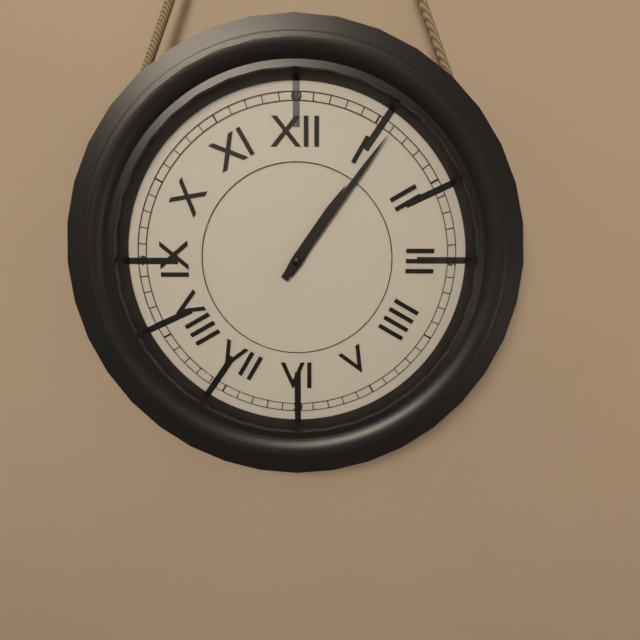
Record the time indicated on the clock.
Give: 1:06
